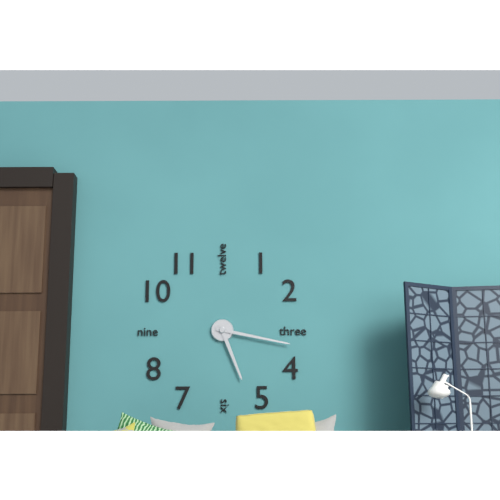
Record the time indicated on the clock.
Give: 5:17
